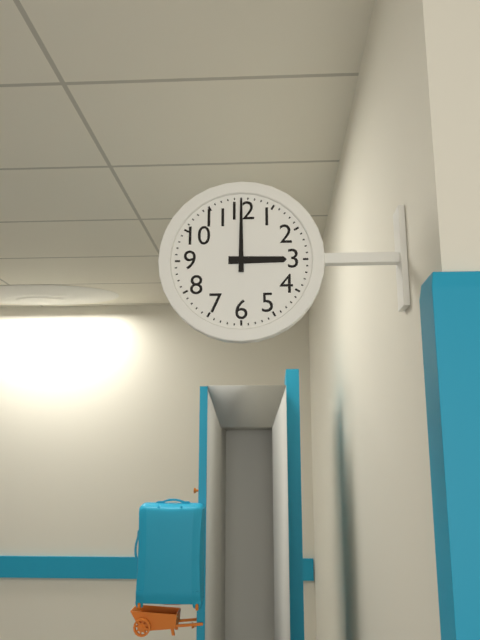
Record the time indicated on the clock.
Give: 3:00
